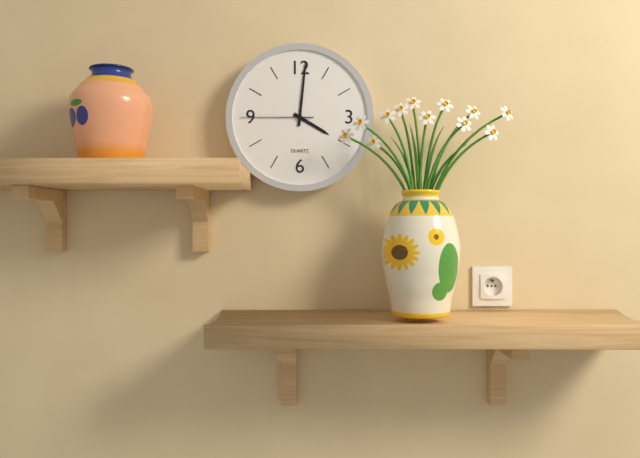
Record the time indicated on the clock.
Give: 4:01:45
